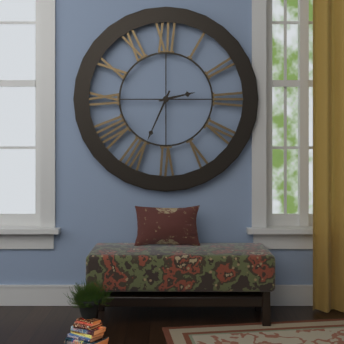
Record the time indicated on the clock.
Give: 2:34
